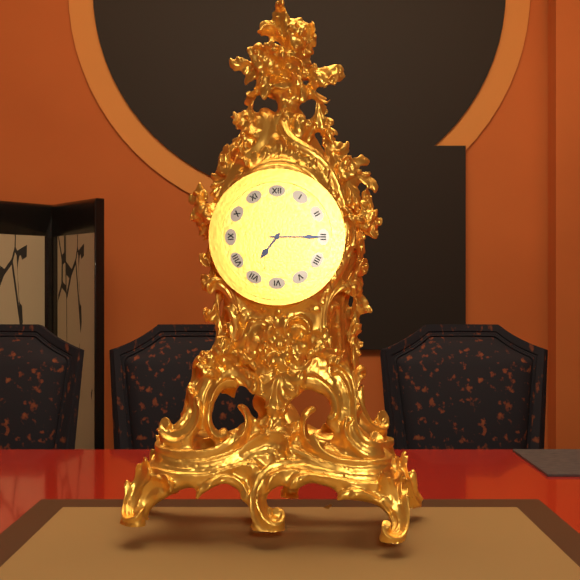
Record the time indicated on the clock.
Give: 7:15
